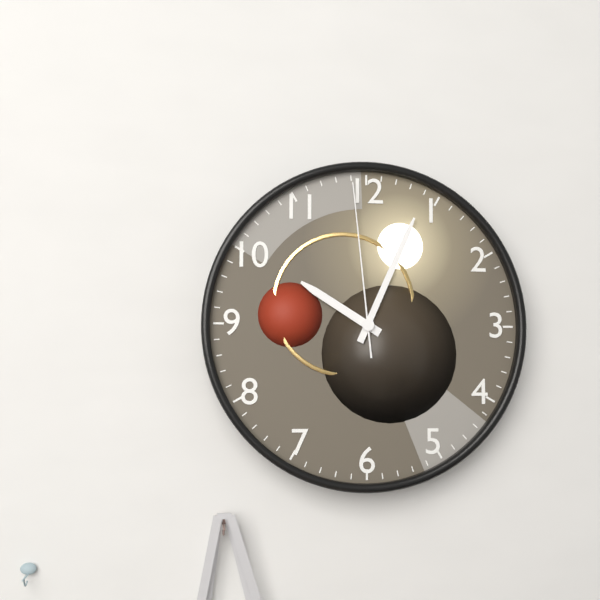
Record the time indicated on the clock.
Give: 10:04:59
